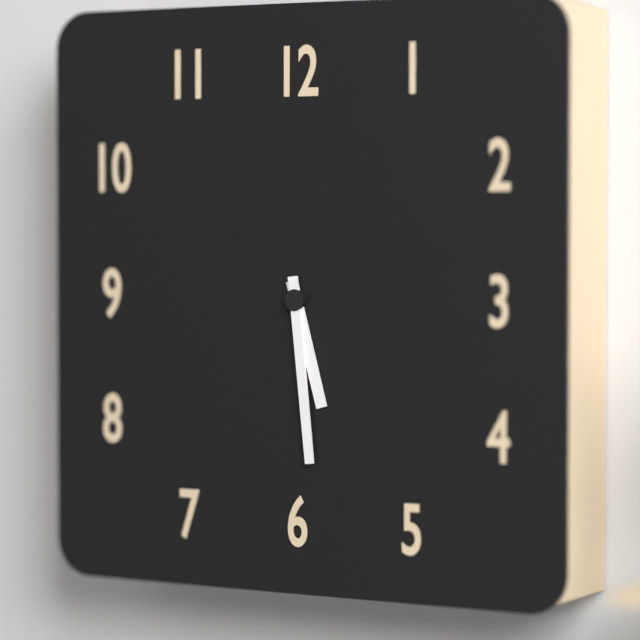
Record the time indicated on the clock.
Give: 5:29
